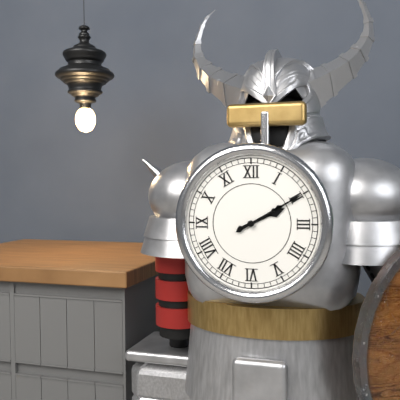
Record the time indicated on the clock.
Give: 2:10
